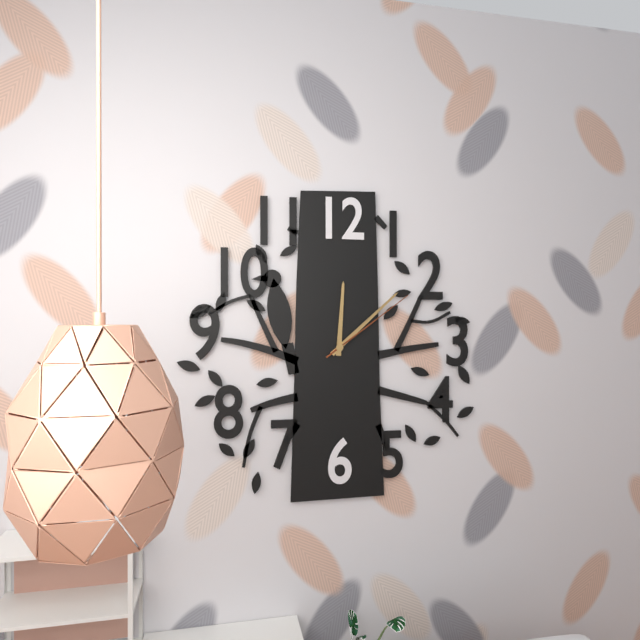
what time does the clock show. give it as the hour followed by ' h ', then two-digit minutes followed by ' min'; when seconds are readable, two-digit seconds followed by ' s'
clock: 12 h 08 min 09 s
